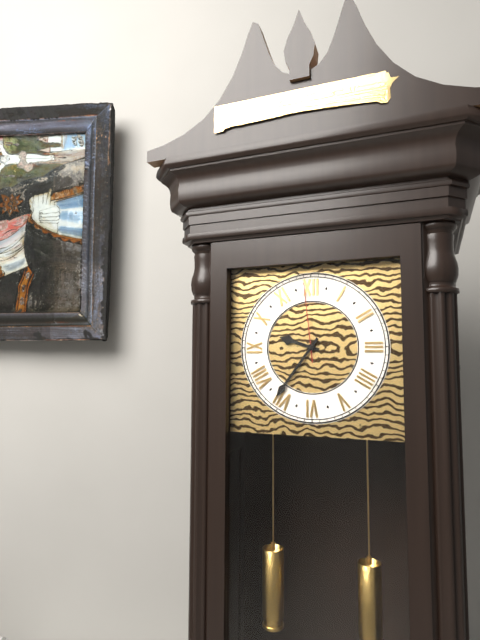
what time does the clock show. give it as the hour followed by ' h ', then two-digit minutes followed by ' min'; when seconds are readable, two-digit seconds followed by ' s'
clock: 9 h 36 min 59 s
